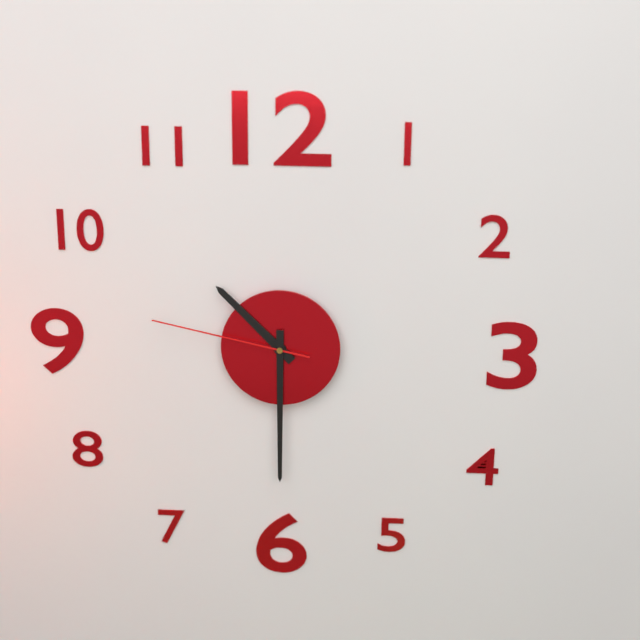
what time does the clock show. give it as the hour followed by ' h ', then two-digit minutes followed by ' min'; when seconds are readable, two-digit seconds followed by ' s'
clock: 10 h 30 min 47 s
